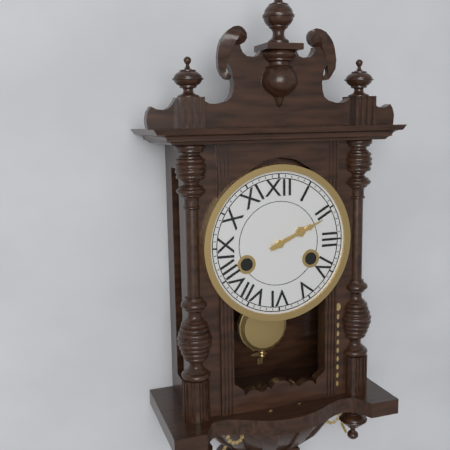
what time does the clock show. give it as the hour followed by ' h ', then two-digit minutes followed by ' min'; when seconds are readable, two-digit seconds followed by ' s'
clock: 2 h 11 min
